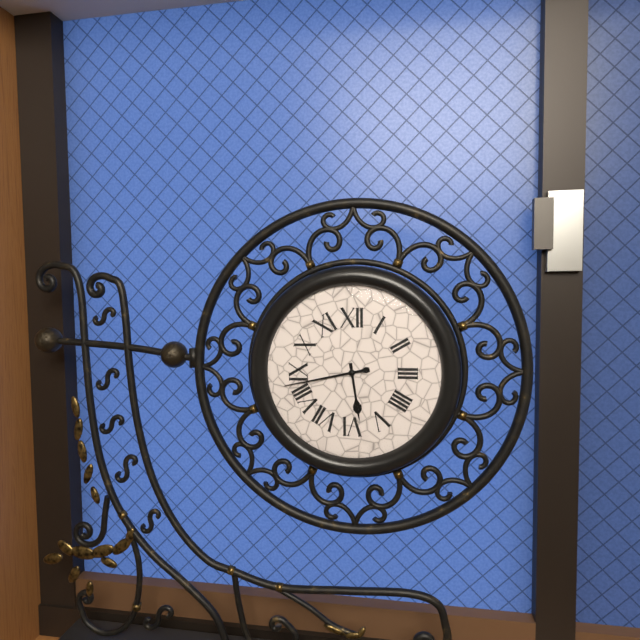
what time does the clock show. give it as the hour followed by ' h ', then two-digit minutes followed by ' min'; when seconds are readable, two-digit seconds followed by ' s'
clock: 5 h 43 min
